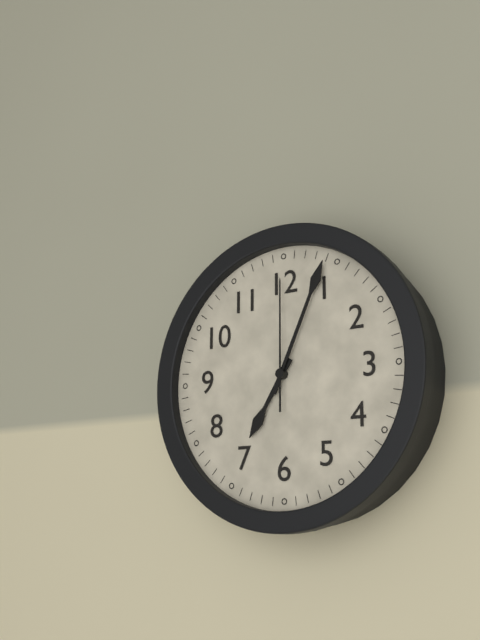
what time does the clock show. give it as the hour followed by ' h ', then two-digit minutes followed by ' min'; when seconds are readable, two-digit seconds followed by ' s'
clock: 7 h 04 min 00 s
